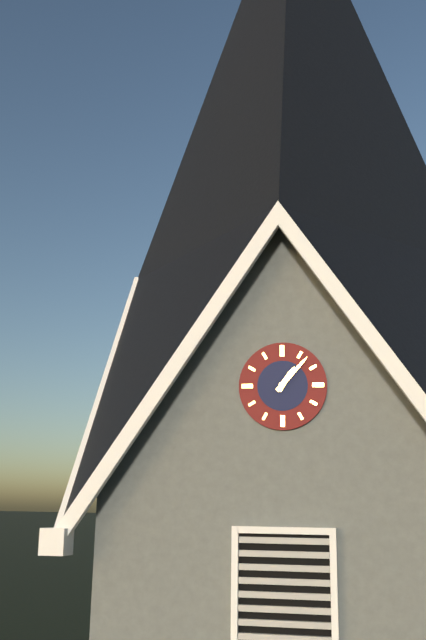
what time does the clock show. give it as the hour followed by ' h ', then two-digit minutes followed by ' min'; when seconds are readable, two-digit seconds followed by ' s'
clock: 1 h 07 min
